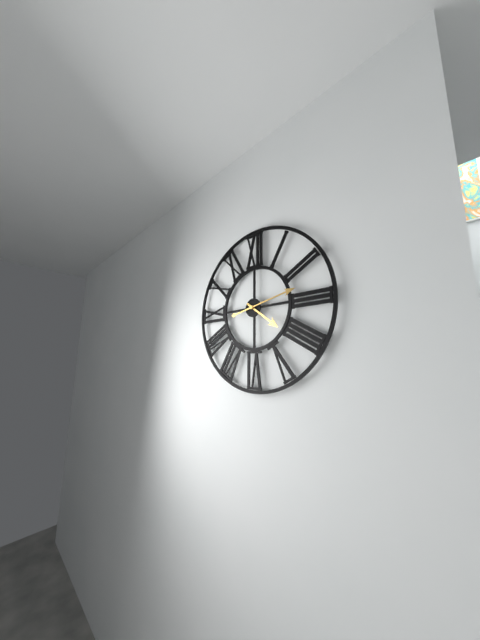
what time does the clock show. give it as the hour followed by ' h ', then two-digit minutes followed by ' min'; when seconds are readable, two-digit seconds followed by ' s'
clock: 4 h 13 min
